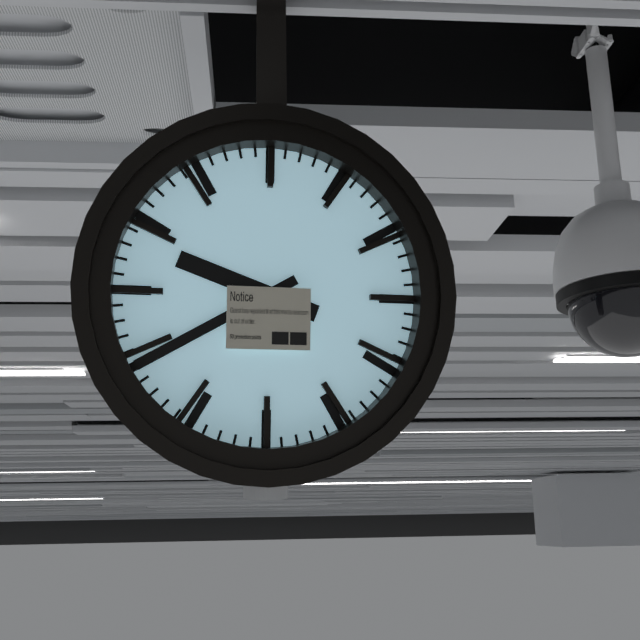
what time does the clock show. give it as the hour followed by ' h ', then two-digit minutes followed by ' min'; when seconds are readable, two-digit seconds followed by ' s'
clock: 9 h 40 min
